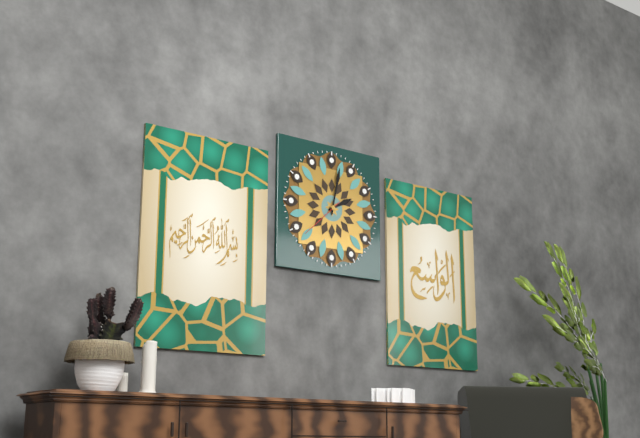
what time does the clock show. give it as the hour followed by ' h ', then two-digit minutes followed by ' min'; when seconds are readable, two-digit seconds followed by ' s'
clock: 2 h 02 min
